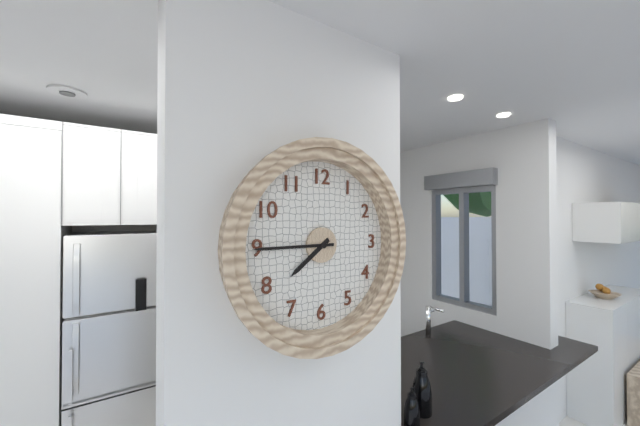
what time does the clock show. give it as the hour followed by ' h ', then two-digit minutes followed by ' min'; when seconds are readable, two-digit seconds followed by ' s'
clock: 7 h 45 min
